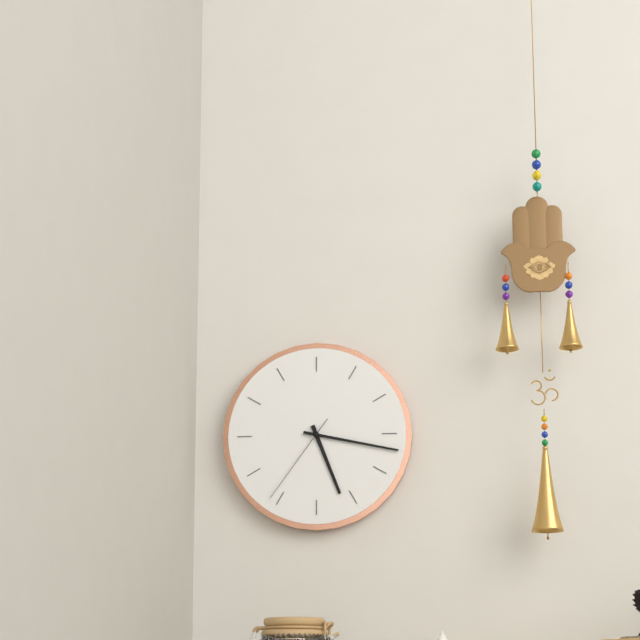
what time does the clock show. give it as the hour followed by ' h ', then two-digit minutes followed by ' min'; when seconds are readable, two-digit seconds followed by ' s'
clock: 5 h 17 min 36 s
